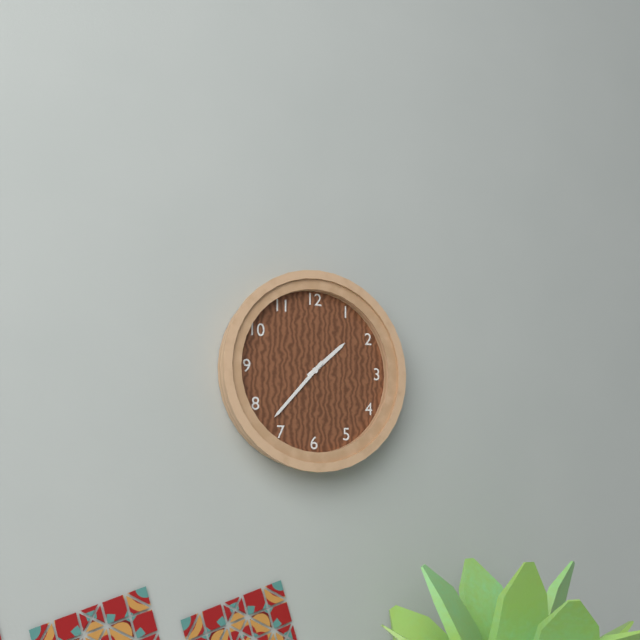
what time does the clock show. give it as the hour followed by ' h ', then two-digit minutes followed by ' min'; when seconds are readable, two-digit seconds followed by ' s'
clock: 1 h 37 min
